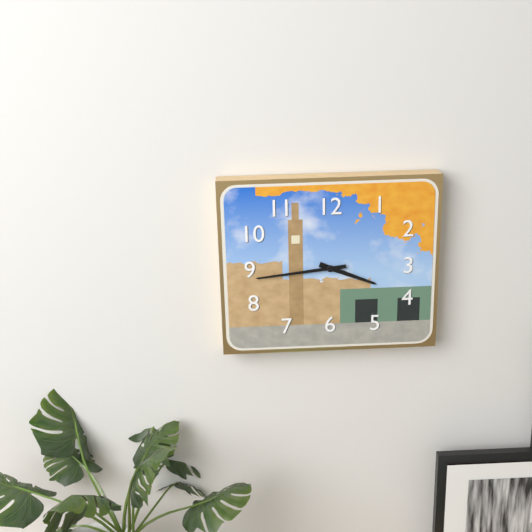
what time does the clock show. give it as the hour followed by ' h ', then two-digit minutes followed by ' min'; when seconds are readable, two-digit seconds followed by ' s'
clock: 3 h 44 min
